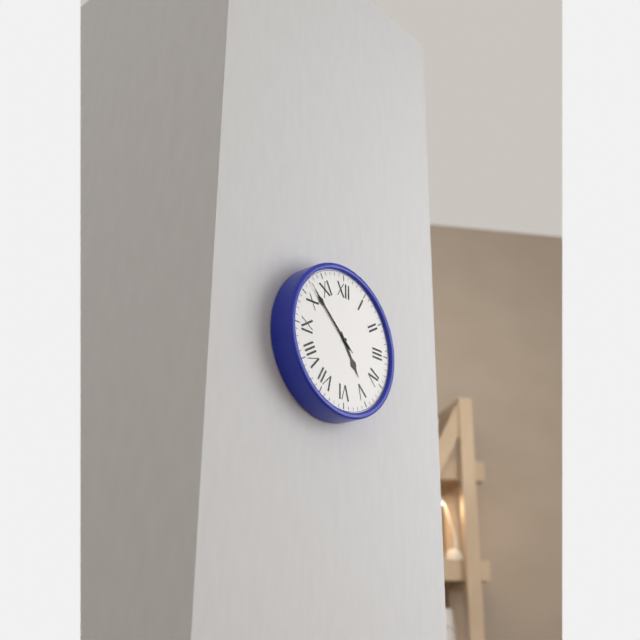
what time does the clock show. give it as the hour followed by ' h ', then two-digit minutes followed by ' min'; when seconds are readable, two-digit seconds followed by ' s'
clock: 4 h 52 min 52 s
